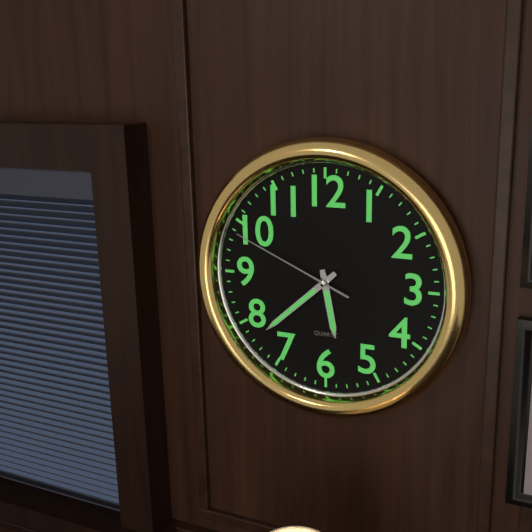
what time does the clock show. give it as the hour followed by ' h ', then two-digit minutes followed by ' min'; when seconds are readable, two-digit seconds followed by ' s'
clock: 5 h 38 min 49 s
